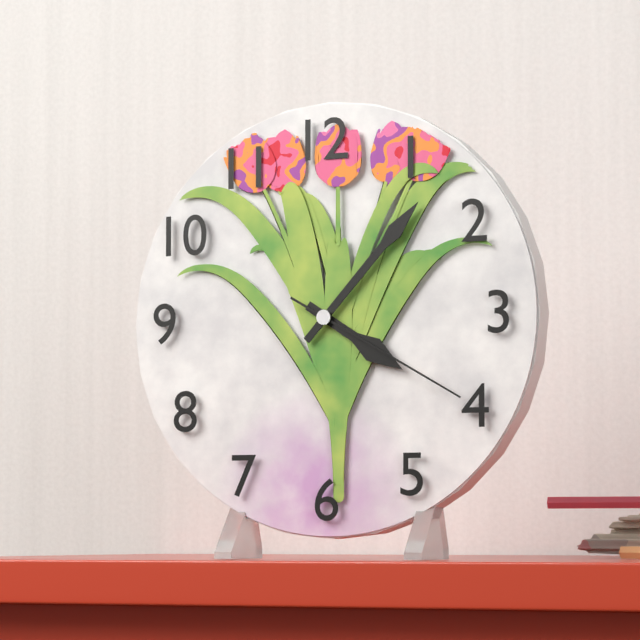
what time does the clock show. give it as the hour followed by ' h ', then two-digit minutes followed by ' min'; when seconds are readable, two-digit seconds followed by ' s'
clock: 4 h 07 min 20 s
